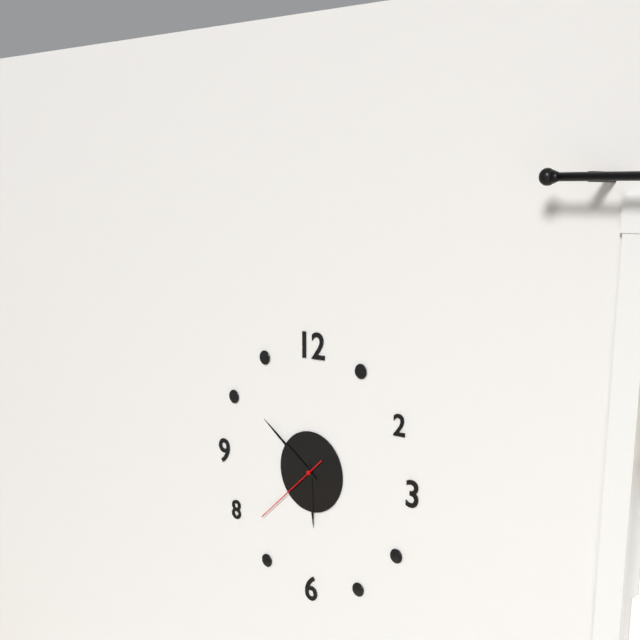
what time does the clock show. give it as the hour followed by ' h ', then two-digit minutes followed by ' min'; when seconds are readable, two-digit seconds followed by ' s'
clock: 5 h 51 min 38 s
